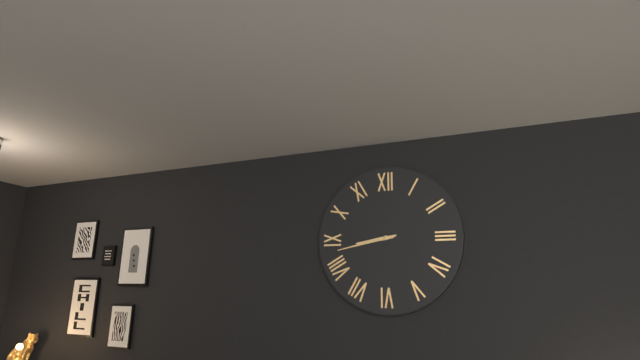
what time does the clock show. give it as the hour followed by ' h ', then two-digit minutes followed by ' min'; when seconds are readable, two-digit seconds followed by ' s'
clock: 8 h 43 min
